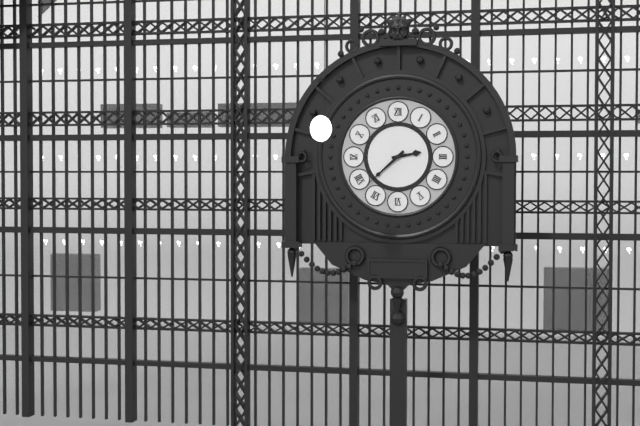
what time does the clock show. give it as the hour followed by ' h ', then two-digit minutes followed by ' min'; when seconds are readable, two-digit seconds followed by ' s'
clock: 2 h 38 min
